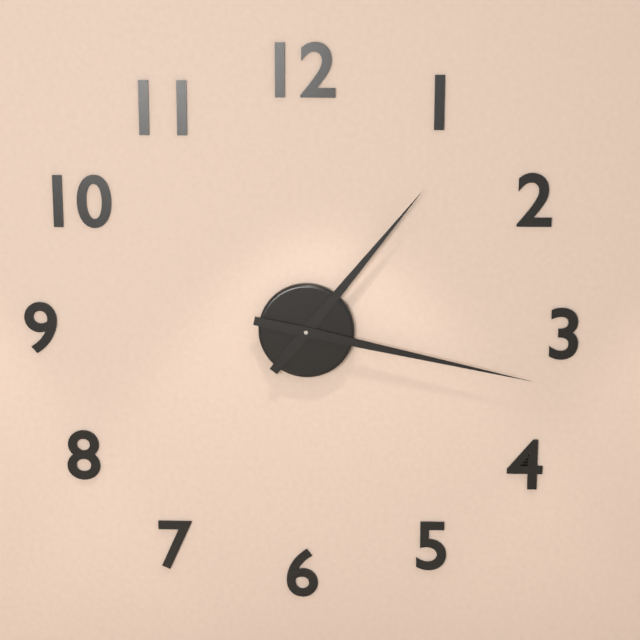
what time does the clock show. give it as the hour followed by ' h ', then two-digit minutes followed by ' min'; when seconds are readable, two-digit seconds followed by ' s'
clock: 1 h 17 min
